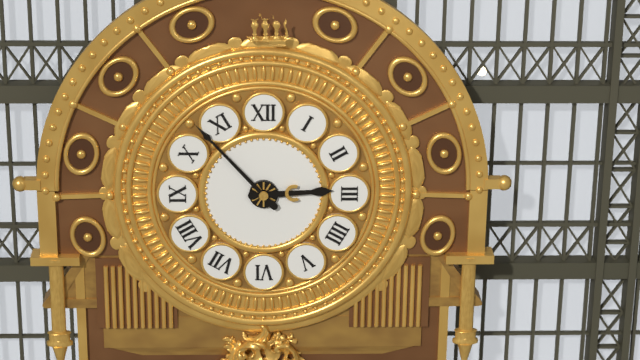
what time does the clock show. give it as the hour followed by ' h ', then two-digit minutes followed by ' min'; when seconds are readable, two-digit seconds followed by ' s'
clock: 2 h 53 min
